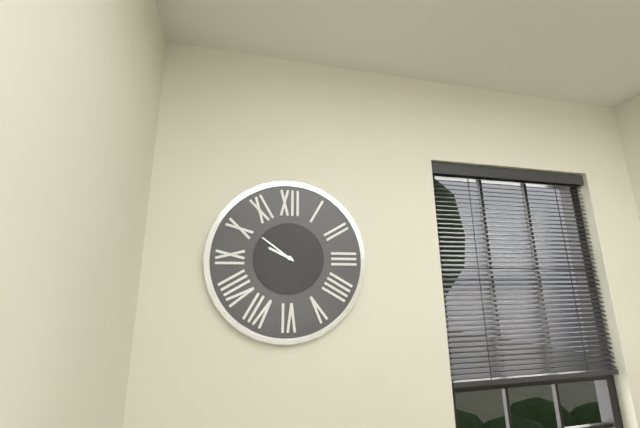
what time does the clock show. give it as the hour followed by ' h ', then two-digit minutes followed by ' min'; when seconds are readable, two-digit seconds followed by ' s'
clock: 9 h 51 min
